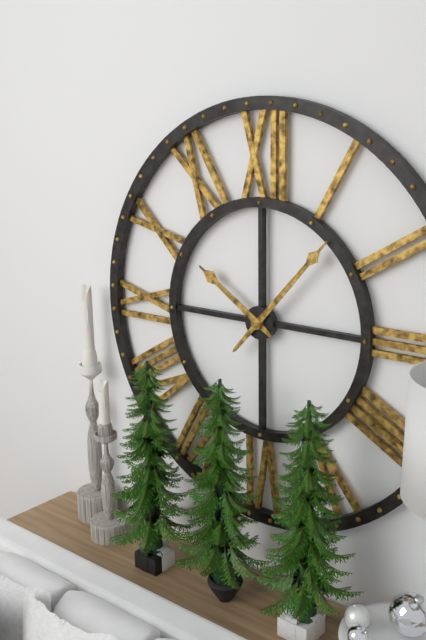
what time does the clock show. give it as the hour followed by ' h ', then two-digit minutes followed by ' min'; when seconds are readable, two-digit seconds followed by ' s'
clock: 10 h 07 min
